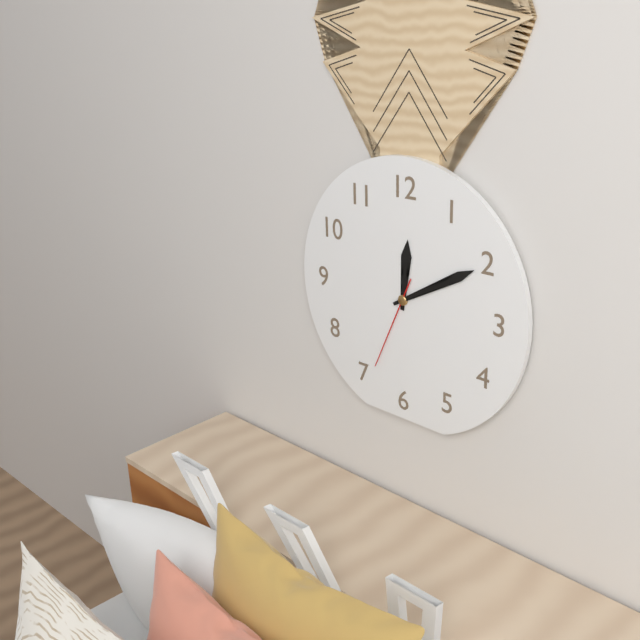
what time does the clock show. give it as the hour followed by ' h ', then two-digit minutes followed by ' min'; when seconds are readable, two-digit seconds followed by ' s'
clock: 12 h 10 min 34 s
